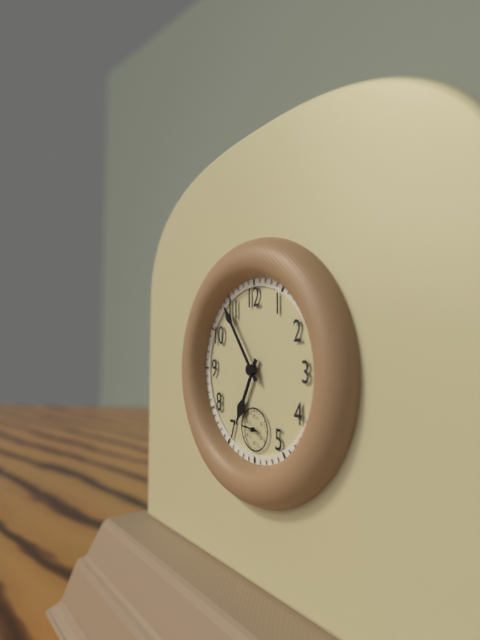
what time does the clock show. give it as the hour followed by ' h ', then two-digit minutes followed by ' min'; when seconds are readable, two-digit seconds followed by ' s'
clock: 6 h 54 min
